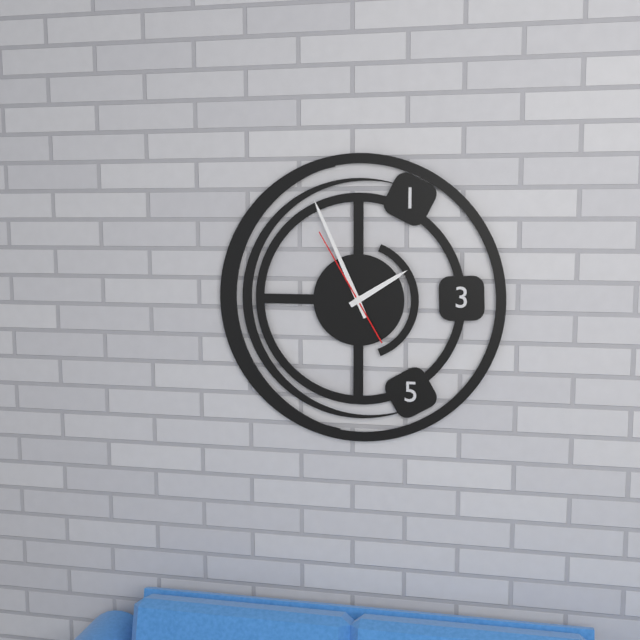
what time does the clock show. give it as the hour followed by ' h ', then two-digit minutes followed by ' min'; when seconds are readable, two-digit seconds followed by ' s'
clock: 1 h 56 min 55 s
